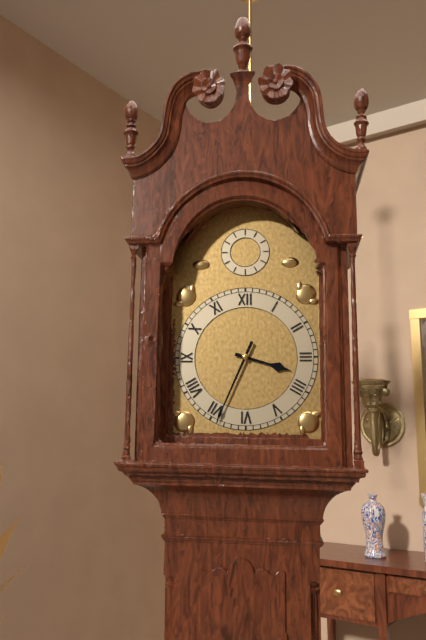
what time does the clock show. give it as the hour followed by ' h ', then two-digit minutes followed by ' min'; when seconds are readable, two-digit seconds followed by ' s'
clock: 3 h 34 min
